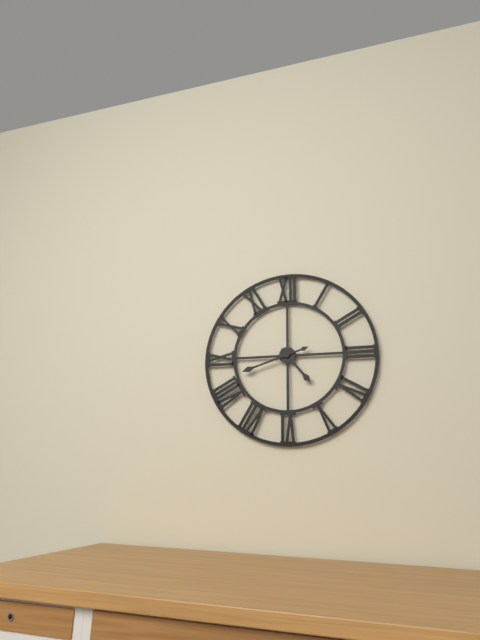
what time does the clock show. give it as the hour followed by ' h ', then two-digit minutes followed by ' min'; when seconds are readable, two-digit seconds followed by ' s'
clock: 4 h 42 min
